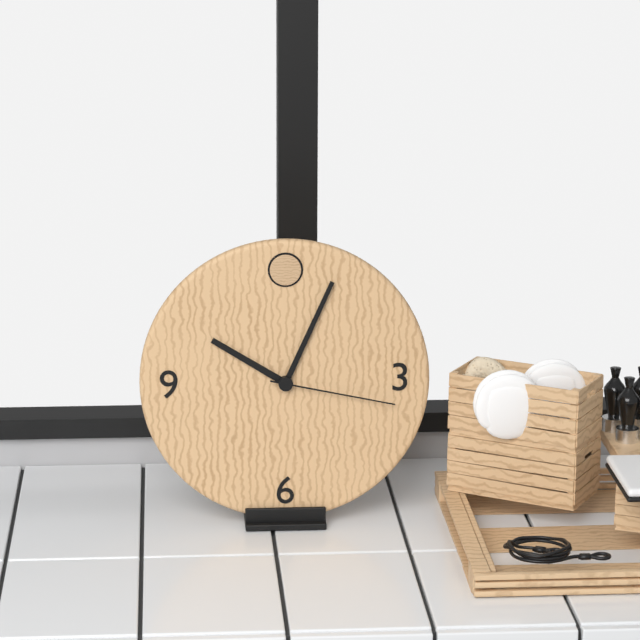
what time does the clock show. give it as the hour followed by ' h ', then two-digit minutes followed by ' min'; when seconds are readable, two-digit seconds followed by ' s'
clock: 10 h 04 min 17 s
